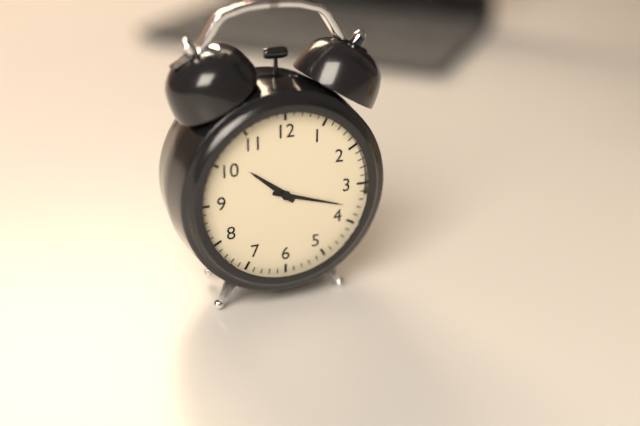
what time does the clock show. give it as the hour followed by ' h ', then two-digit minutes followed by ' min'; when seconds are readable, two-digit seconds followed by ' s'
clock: 10 h 18 min
